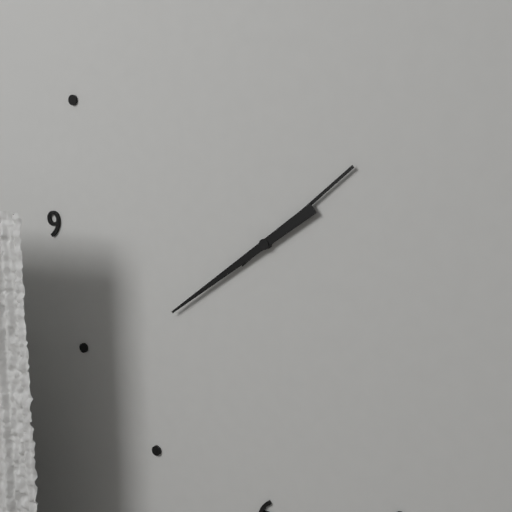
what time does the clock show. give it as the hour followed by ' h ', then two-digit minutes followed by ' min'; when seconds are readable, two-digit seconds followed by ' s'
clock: 1 h 39 min
